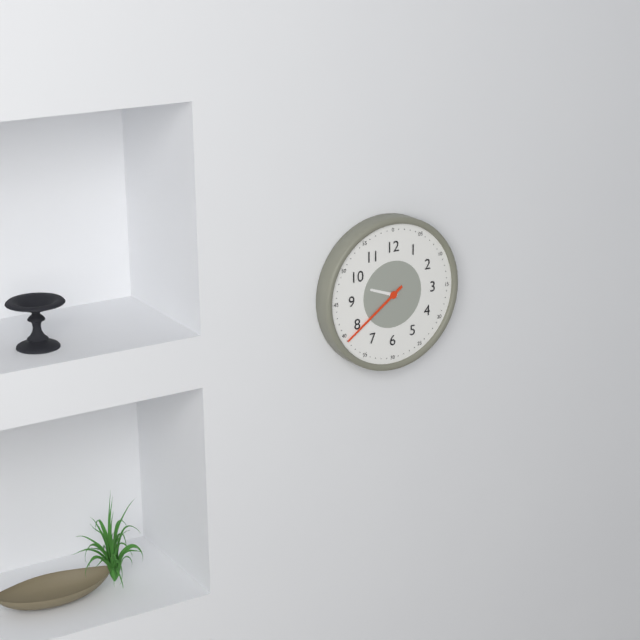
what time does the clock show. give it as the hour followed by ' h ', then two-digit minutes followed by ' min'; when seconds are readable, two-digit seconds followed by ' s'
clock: 9 h 39 min
